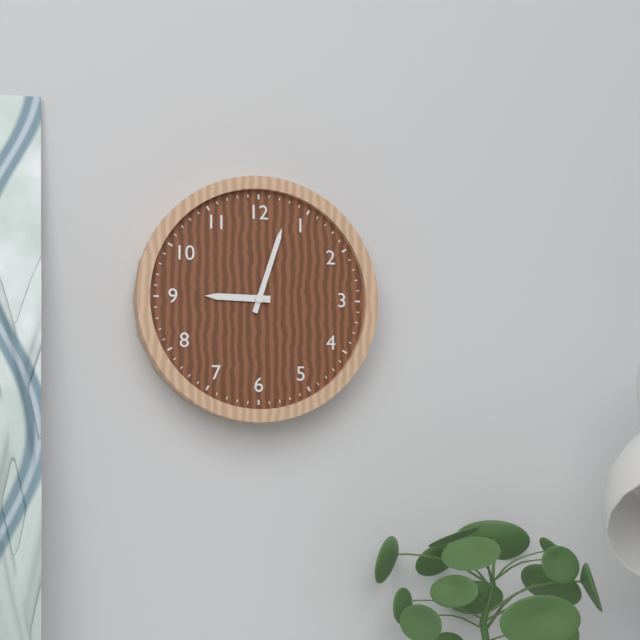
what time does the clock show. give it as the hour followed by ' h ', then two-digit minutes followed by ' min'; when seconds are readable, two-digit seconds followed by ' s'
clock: 9 h 03 min
